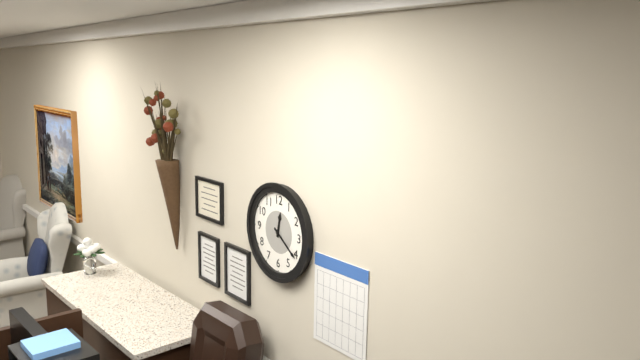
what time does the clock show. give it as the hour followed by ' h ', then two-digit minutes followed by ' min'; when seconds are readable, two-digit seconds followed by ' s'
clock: 12 h 21 min
